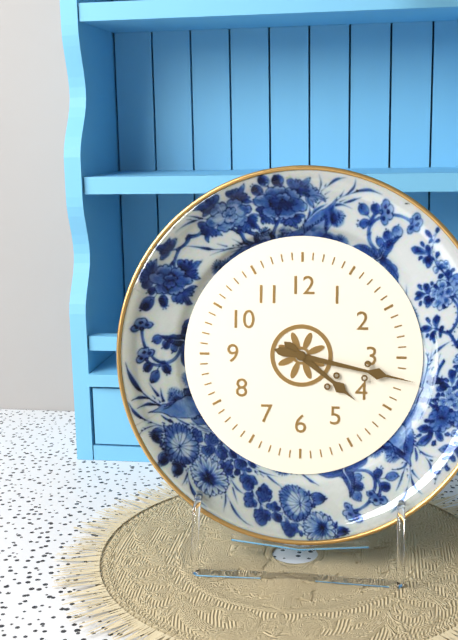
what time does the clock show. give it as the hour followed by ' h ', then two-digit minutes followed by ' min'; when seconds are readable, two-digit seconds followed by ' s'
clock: 4 h 17 min
